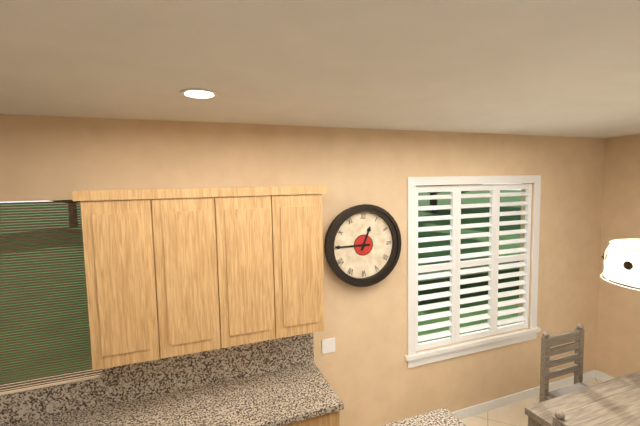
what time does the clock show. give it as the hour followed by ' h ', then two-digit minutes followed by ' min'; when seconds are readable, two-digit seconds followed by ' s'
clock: 12 h 45 min
